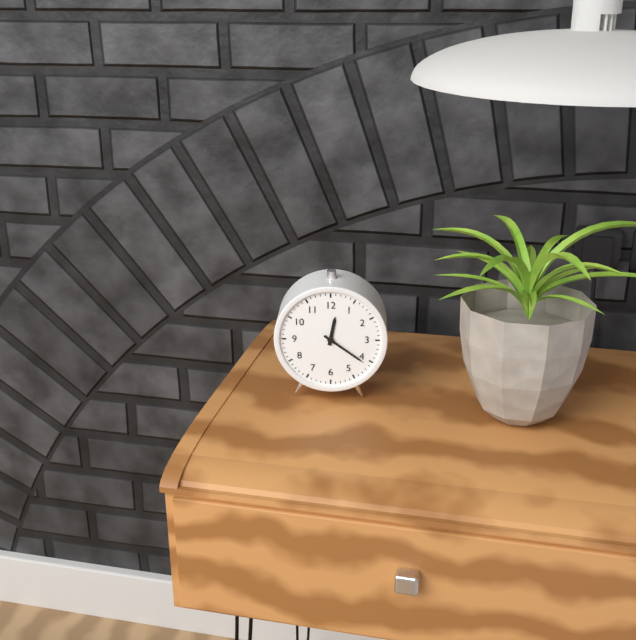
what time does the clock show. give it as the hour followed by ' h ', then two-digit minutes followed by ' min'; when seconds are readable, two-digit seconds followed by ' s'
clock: 12 h 21 min
